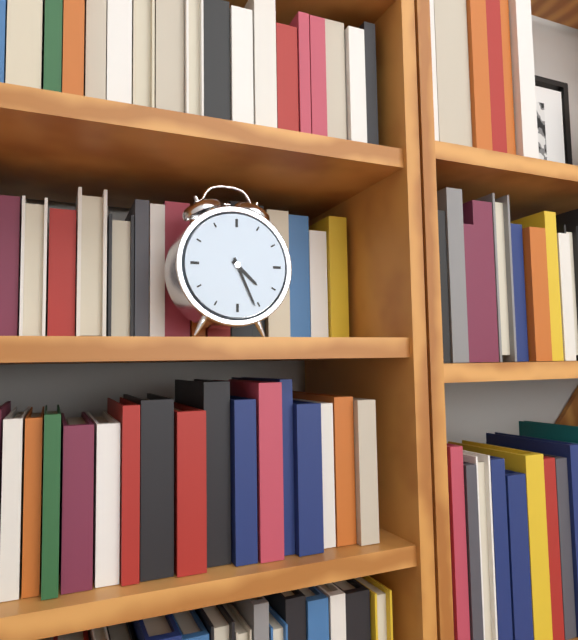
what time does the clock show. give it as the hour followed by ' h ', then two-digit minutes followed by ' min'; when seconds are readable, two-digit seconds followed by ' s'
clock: 4 h 26 min
